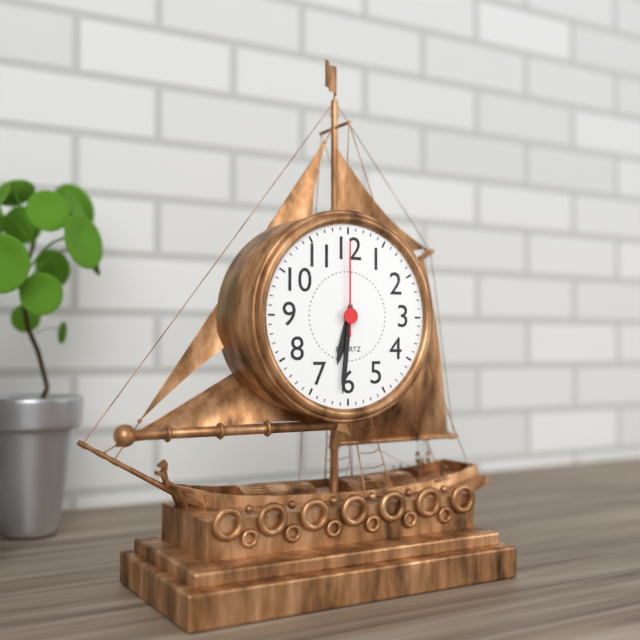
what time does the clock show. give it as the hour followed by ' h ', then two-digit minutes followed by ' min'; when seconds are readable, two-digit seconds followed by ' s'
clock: 6 h 31 min 00 s
